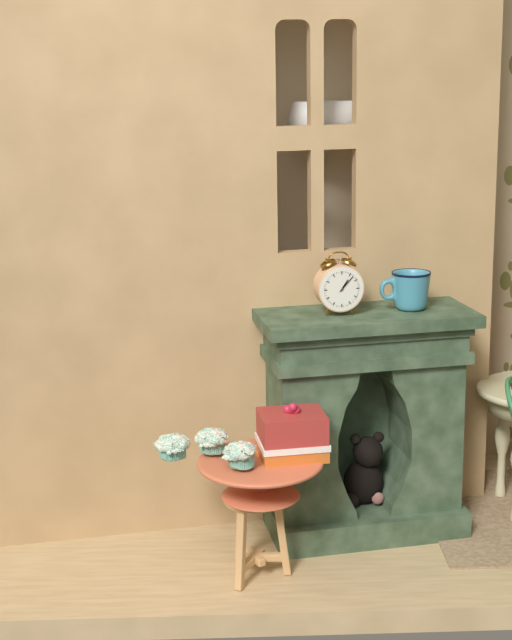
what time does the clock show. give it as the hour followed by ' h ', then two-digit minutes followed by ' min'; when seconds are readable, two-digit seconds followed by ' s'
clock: 1 h 07 min
